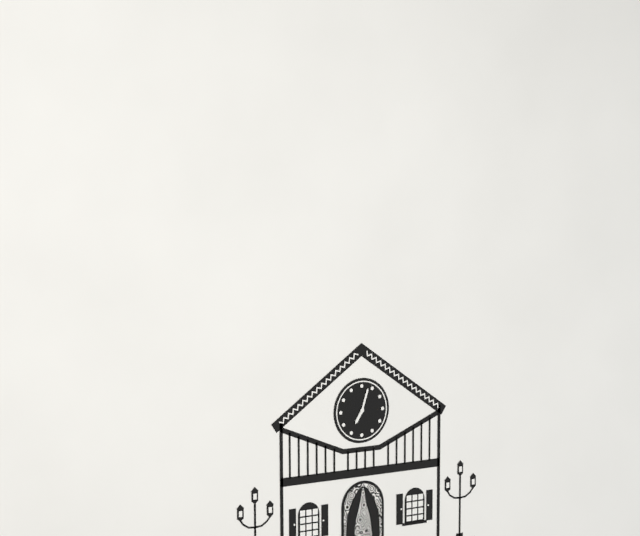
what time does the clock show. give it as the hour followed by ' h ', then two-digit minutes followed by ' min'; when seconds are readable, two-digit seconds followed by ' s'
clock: 7 h 03 min
